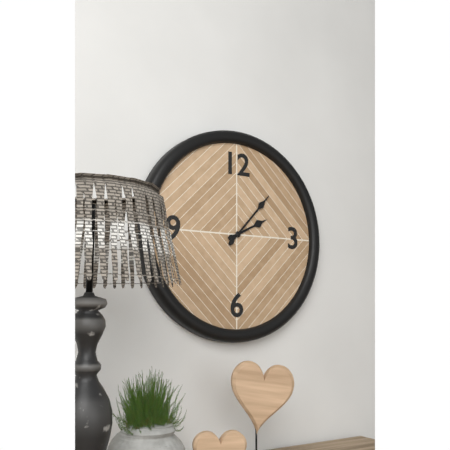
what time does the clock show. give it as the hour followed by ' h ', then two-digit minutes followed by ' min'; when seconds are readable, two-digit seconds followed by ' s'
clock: 2 h 07 min
